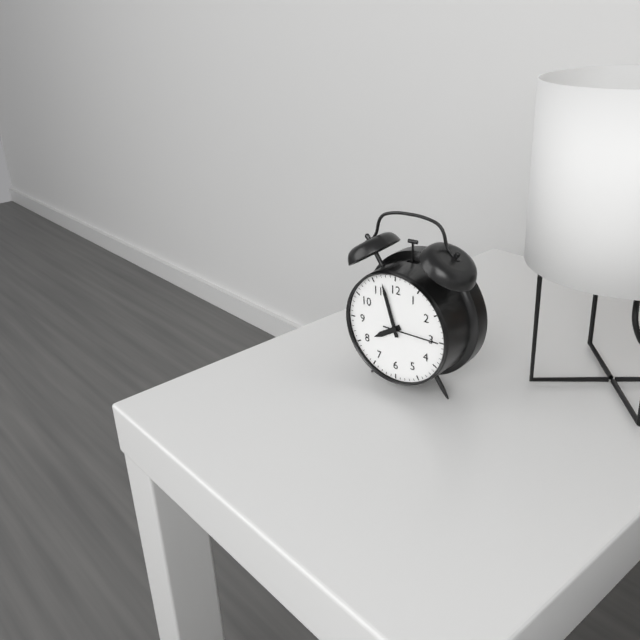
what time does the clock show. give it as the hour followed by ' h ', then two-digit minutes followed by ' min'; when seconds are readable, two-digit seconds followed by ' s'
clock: 7 h 57 min 15 s
